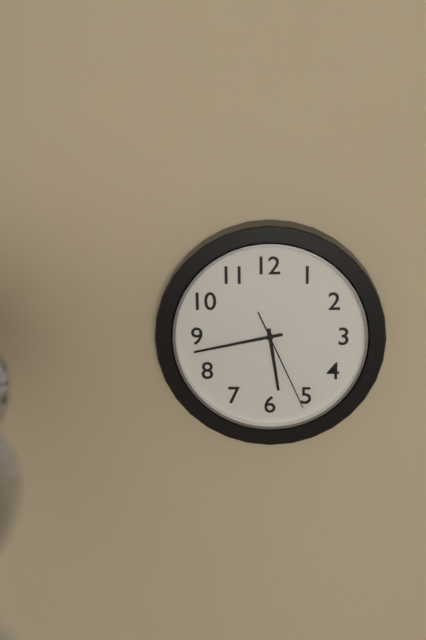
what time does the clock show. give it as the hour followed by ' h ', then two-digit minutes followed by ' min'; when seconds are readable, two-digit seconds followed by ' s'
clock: 5 h 43 min 26 s
